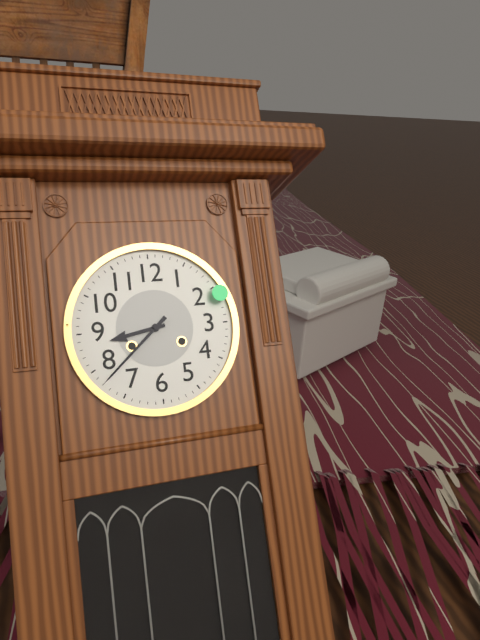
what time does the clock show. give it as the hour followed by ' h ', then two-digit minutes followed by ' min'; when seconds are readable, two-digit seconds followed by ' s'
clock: 8 h 38 min
